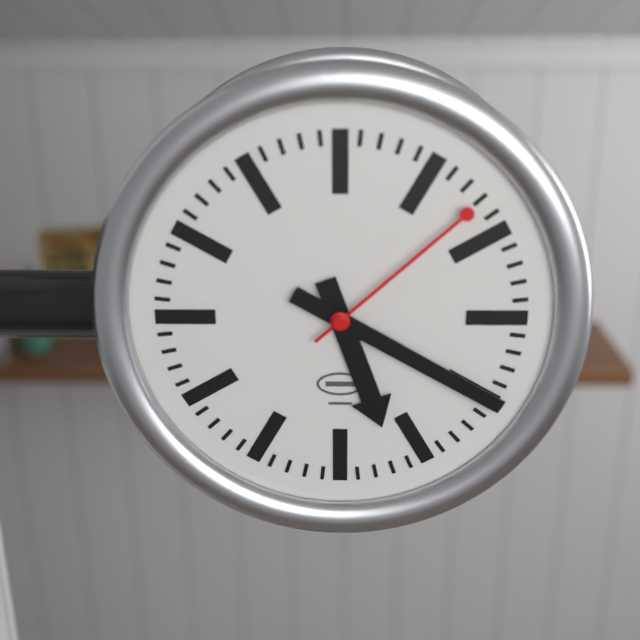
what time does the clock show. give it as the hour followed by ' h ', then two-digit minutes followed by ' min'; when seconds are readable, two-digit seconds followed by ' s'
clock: 5 h 20 min 08 s
